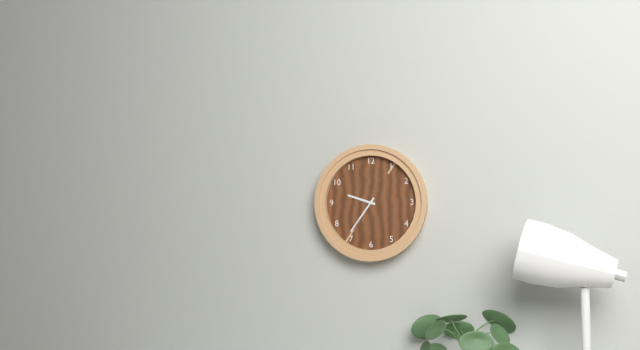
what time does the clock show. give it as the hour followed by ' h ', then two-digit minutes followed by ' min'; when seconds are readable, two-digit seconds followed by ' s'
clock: 9 h 36 min
